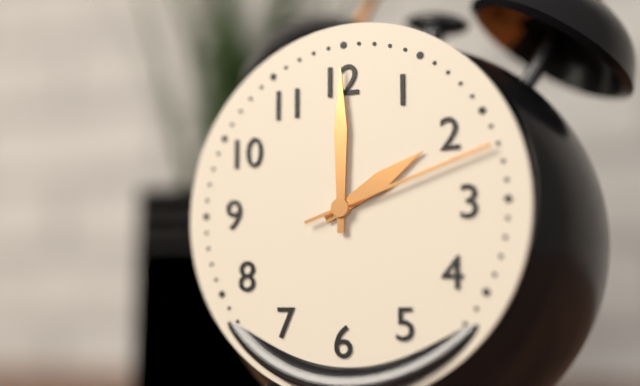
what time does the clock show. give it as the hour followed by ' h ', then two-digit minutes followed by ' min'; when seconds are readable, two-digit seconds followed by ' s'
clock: 2 h 00 min 12 s
